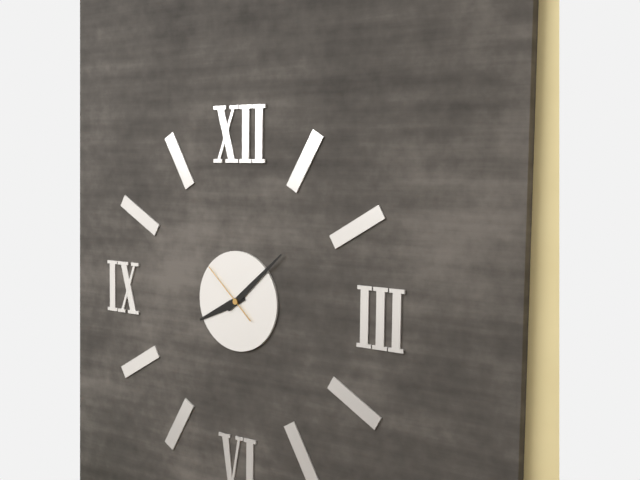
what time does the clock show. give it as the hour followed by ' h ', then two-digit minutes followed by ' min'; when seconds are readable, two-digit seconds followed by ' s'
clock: 8 h 08 min 52 s
